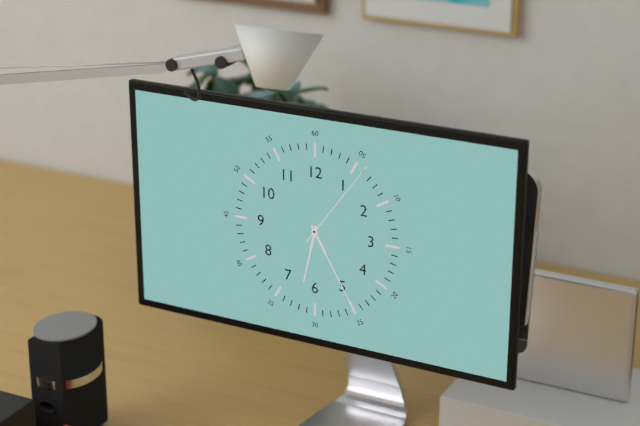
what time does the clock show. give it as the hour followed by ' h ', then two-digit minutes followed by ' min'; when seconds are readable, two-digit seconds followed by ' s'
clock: 6 h 25 min 06 s
